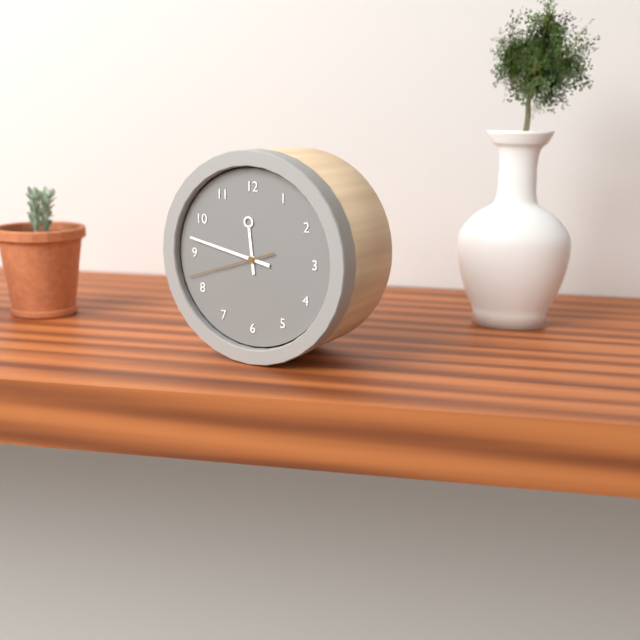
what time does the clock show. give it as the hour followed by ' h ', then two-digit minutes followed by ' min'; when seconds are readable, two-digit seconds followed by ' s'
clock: 11 h 47 min 42 s
